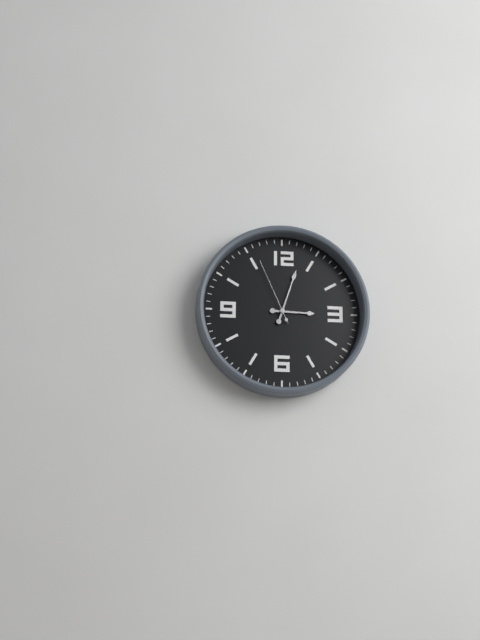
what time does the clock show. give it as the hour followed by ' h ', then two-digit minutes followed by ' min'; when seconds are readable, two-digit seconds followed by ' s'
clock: 3 h 03 min 56 s
